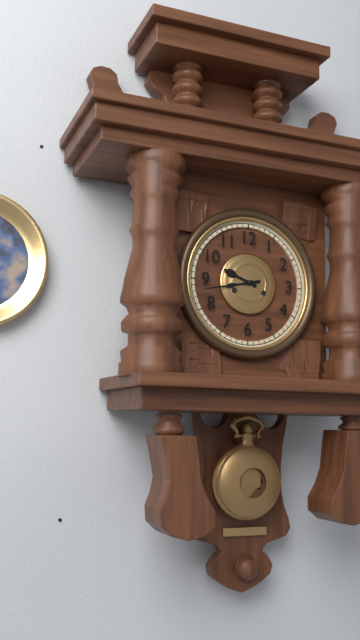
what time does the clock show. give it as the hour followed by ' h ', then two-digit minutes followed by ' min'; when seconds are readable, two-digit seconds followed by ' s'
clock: 9 h 43 min
